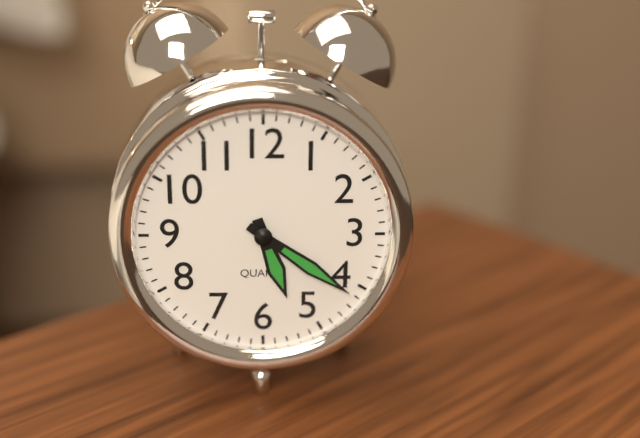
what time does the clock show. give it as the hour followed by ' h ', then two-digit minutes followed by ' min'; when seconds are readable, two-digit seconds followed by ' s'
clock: 5 h 21 min
